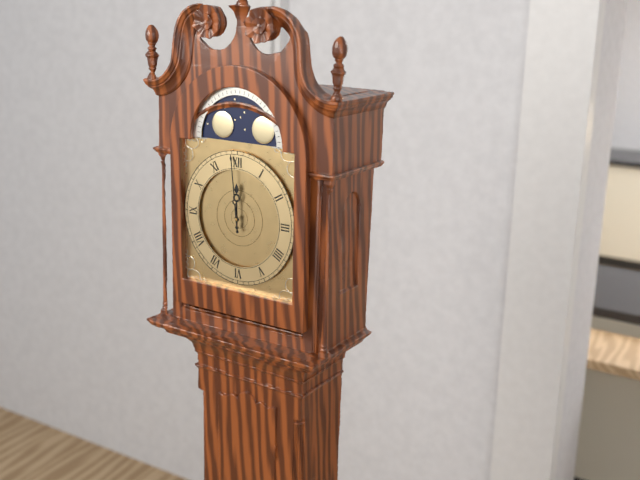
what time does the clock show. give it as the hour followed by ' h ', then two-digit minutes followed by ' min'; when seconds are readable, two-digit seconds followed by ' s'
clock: 11 h 59 min
